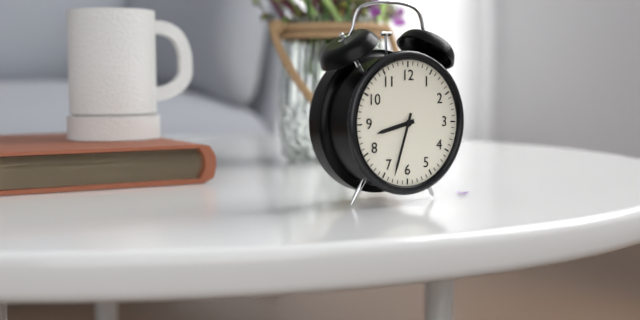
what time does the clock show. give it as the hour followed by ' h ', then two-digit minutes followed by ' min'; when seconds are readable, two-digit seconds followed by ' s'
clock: 8 h 33 min
